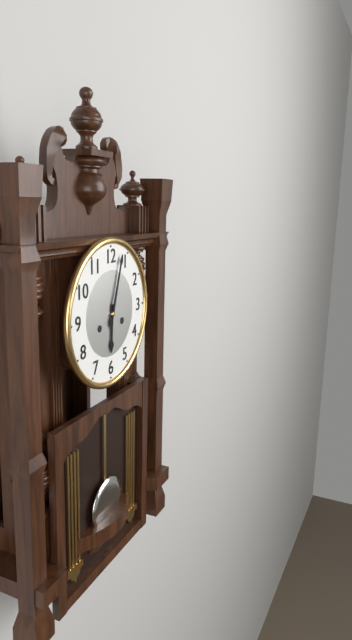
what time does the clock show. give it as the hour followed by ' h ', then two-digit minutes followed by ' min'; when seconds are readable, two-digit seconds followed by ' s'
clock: 6 h 03 min
